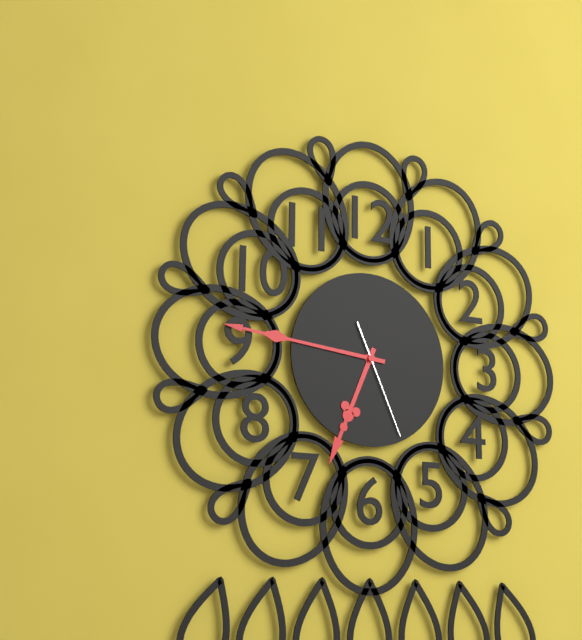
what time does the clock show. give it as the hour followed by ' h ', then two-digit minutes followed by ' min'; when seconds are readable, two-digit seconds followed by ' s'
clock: 6 h 46 min 26 s
